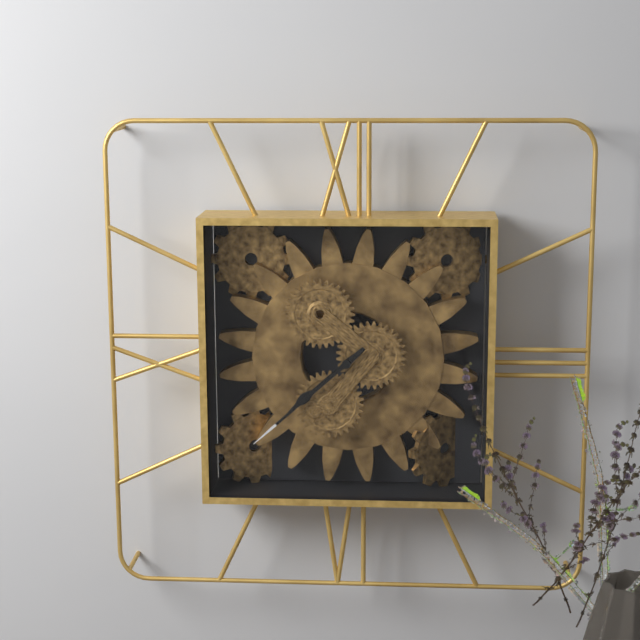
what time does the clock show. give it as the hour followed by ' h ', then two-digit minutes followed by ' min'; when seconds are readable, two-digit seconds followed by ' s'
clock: 7 h 38 min
